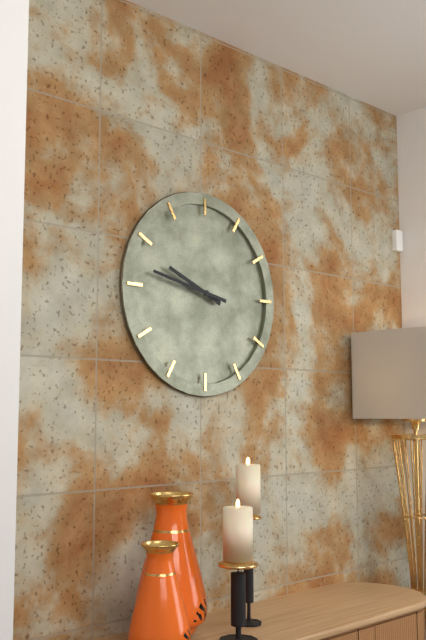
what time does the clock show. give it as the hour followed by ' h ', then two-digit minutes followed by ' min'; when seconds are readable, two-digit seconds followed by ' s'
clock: 9 h 47 min
